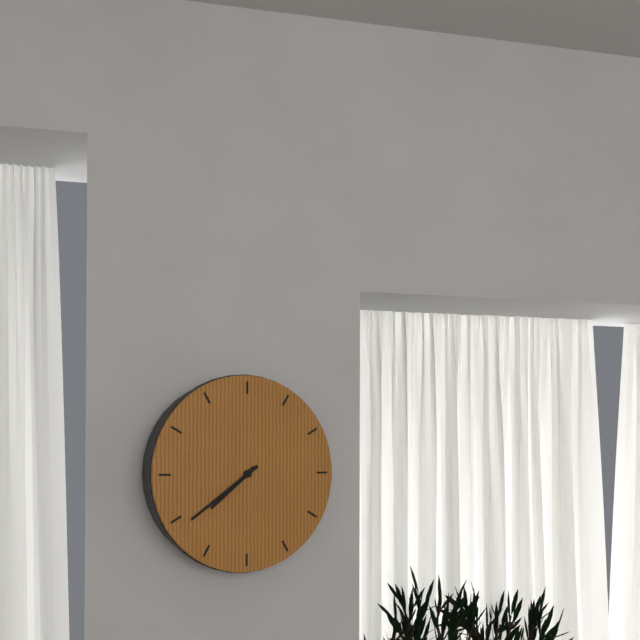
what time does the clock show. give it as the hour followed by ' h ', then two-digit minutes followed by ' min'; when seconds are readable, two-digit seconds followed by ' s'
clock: 7 h 39 min
